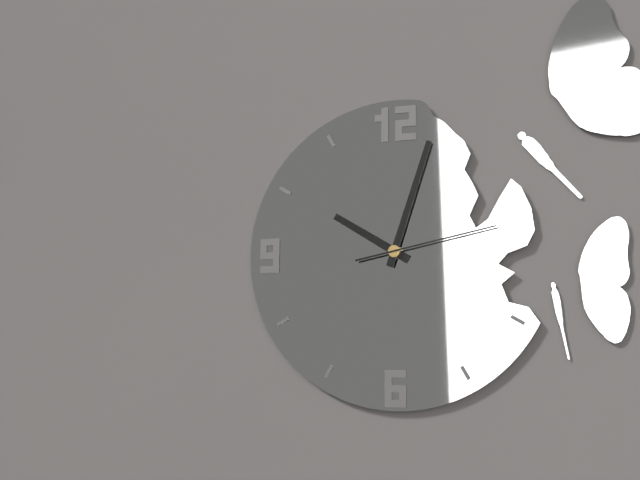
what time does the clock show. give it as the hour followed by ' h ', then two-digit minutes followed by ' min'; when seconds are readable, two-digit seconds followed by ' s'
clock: 10 h 03 min 13 s
